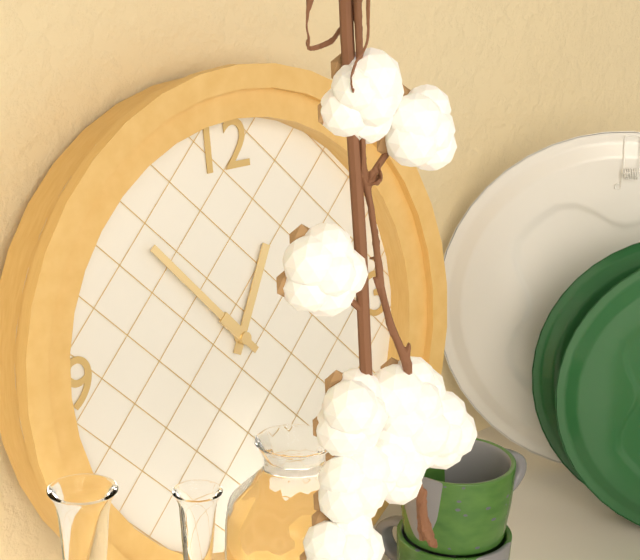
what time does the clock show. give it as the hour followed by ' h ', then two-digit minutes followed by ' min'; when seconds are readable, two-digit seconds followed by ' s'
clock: 12 h 53 min
